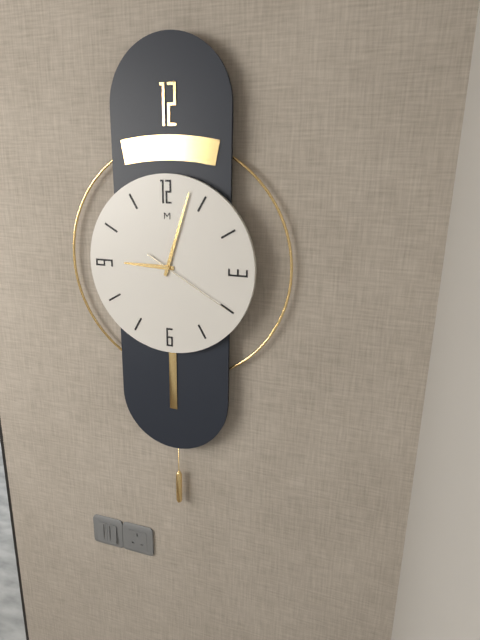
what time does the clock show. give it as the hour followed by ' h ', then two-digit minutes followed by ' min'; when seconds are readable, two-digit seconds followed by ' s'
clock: 9 h 03 min 20 s
